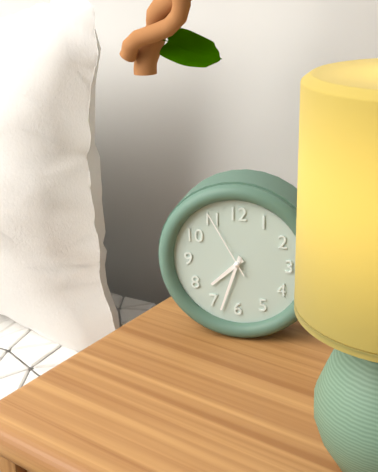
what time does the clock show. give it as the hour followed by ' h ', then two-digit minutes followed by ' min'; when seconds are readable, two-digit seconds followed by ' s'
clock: 7 h 33 min 55 s
